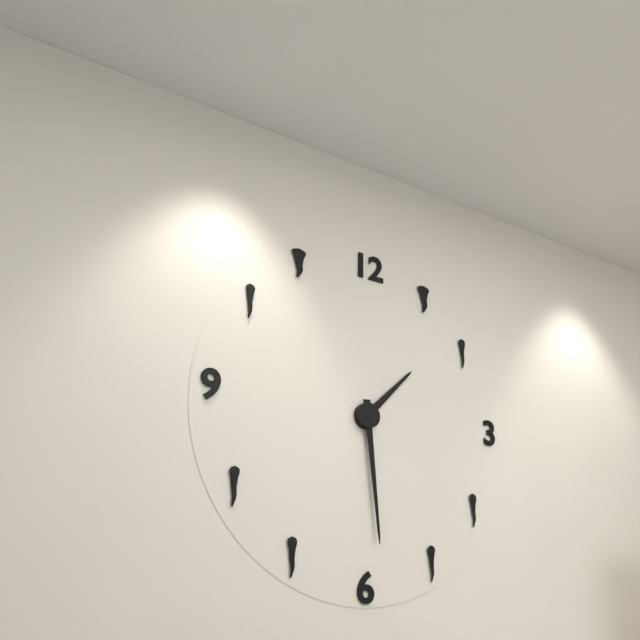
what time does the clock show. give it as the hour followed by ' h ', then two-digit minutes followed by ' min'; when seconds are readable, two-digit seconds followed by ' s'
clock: 1 h 29 min
